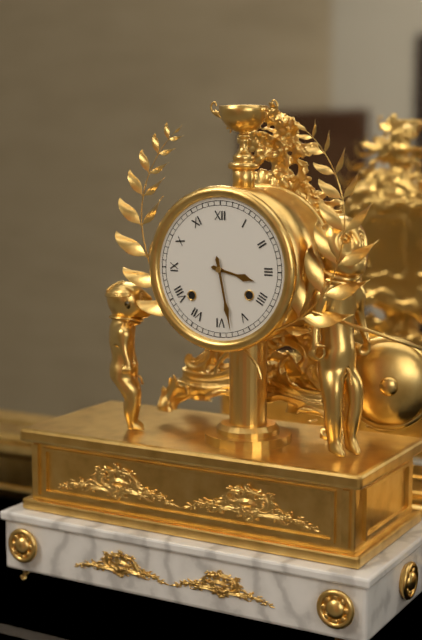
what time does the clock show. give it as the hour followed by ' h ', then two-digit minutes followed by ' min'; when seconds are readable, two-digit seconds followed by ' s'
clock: 3 h 28 min
